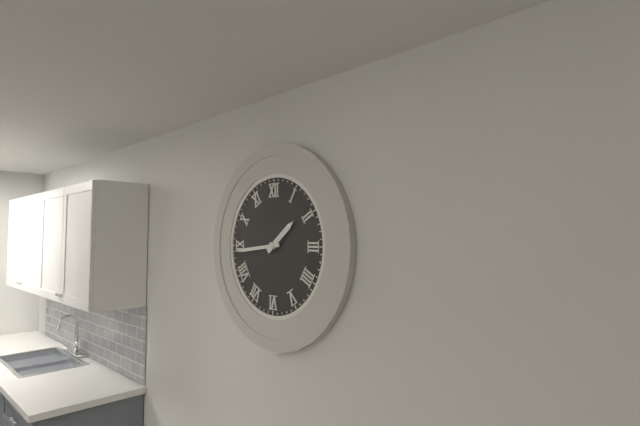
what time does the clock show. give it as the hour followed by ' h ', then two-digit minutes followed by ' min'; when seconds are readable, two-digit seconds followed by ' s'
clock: 1 h 44 min
